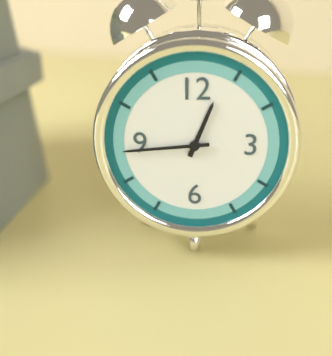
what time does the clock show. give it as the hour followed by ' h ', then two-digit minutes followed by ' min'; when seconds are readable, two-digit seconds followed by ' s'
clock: 12 h 44 min
